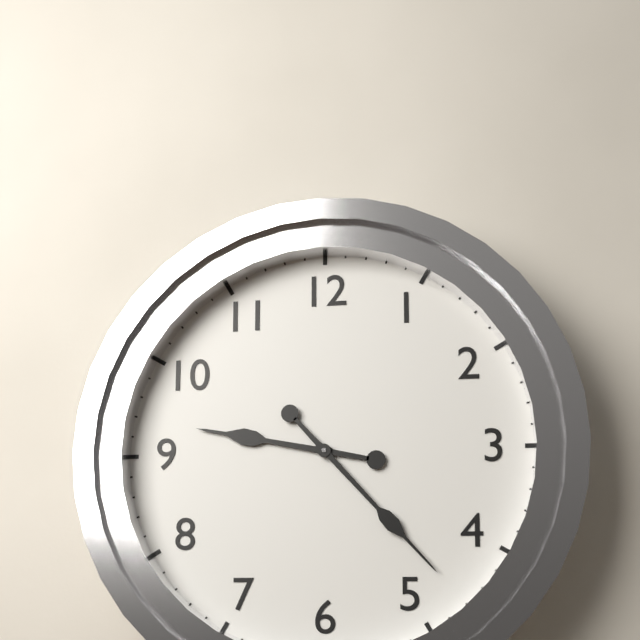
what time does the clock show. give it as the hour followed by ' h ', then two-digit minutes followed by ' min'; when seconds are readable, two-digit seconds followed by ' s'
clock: 9 h 23 min
